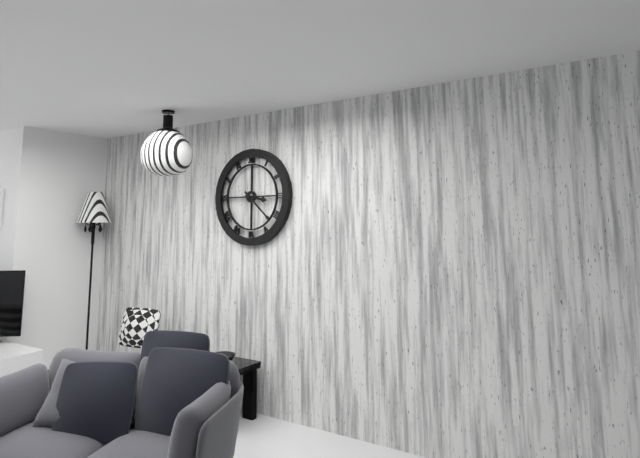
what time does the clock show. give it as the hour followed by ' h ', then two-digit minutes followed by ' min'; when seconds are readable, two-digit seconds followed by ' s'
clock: 3 h 22 min
